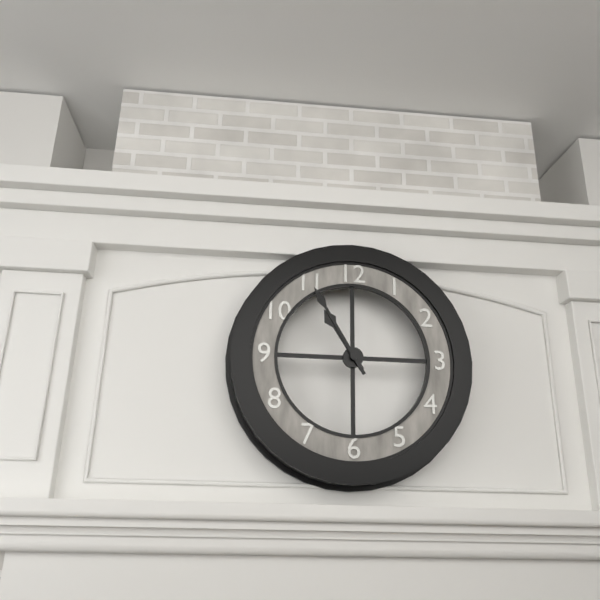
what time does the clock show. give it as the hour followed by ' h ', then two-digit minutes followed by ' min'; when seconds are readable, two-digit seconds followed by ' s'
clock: 10 h 55 min
